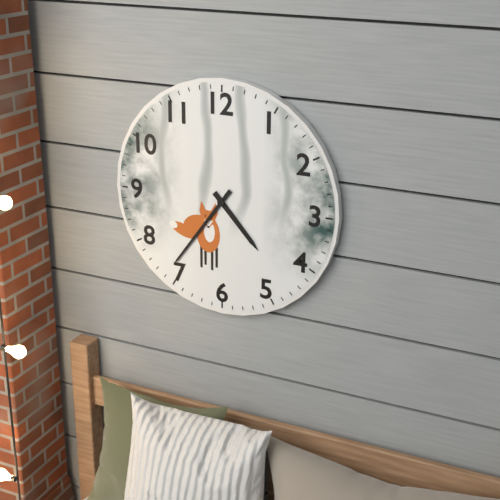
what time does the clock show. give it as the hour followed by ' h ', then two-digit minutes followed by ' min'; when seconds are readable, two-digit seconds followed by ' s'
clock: 4 h 36 min
